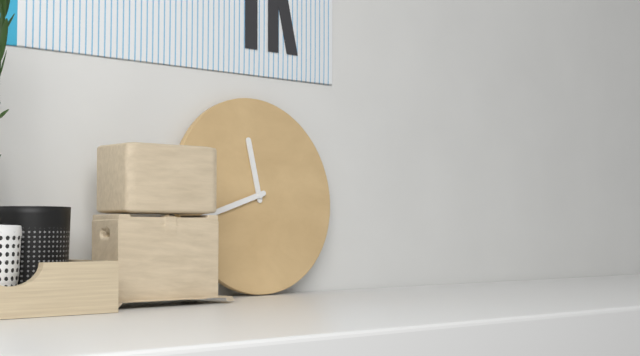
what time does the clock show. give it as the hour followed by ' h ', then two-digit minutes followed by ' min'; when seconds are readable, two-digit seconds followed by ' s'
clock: 11 h 42 min
